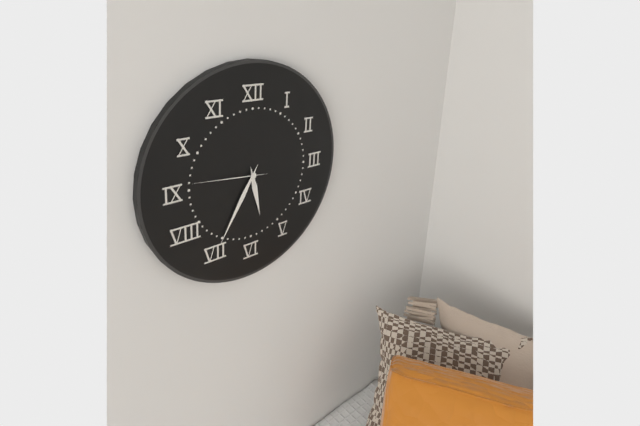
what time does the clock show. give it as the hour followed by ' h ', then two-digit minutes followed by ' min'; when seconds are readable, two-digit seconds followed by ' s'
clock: 5 h 35 min 46 s
